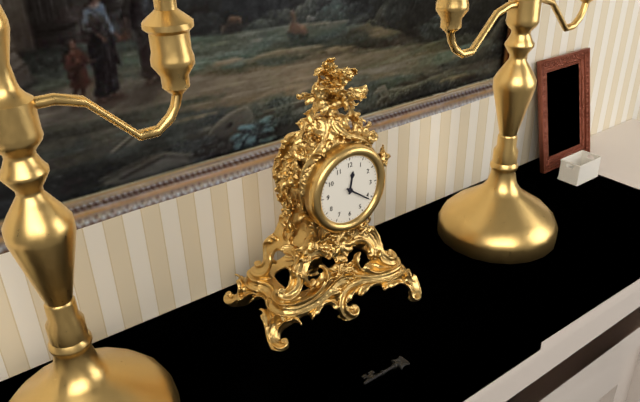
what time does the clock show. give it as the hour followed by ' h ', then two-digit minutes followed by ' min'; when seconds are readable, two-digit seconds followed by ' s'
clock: 12 h 21 min
